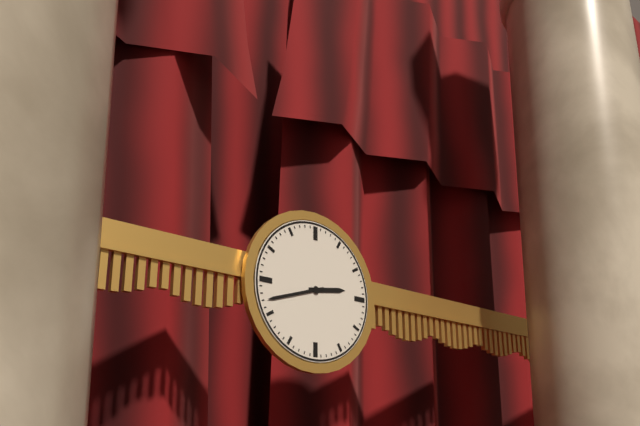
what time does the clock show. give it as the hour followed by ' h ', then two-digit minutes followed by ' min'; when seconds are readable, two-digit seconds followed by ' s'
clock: 2 h 42 min
